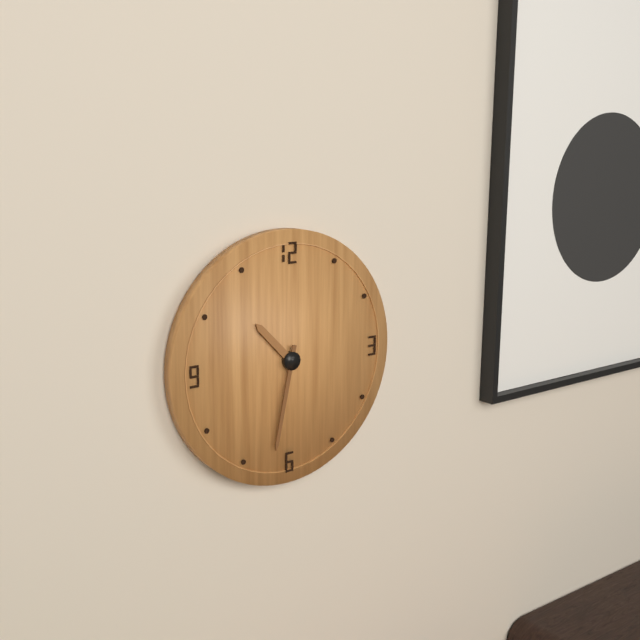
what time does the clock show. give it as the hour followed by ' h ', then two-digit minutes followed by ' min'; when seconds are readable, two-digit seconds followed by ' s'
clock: 10 h 32 min
